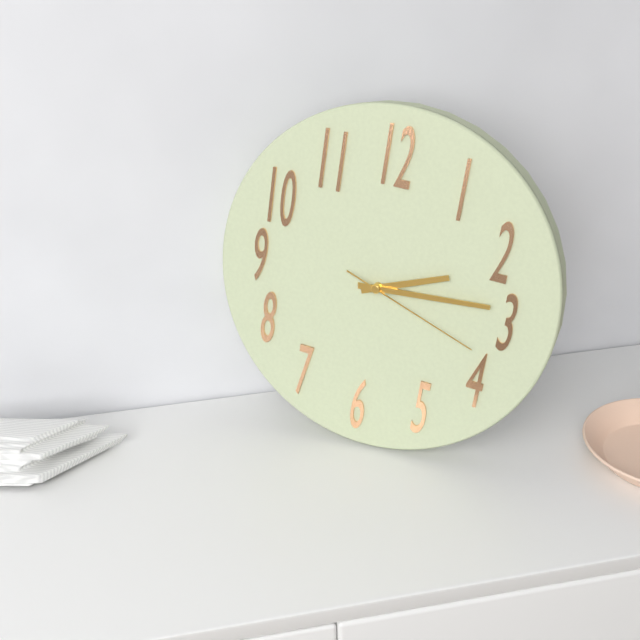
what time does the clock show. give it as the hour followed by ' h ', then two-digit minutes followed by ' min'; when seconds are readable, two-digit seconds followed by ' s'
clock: 2 h 14 min 18 s
